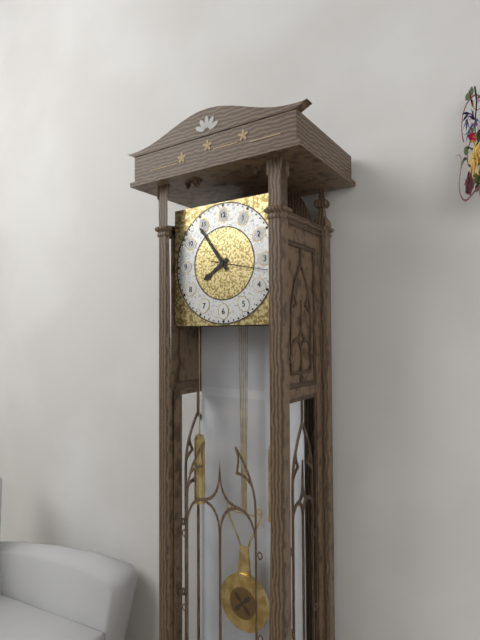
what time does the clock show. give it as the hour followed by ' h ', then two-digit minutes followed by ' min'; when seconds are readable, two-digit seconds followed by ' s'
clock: 7 h 54 min 17 s
